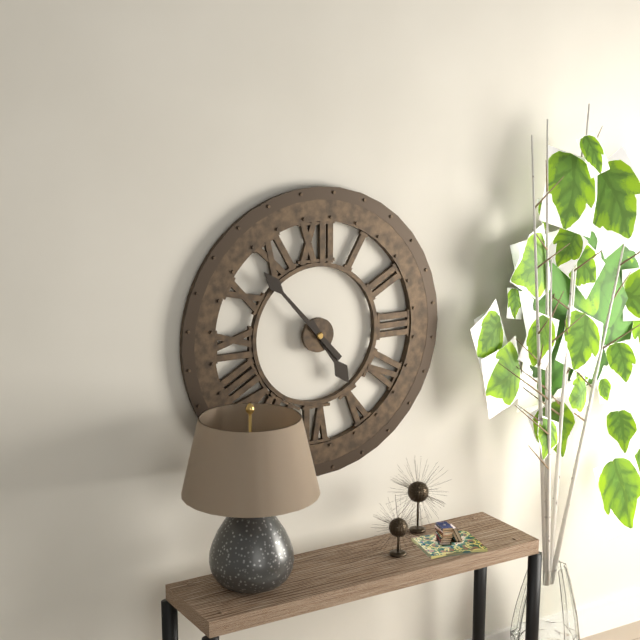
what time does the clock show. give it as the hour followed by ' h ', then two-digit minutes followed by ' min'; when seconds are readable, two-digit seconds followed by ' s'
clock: 4 h 53 min
